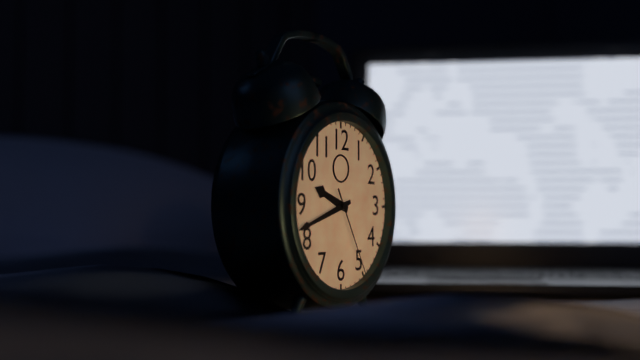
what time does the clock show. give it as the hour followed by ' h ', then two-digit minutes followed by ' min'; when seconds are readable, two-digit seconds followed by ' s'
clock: 9 h 42 min 25 s
